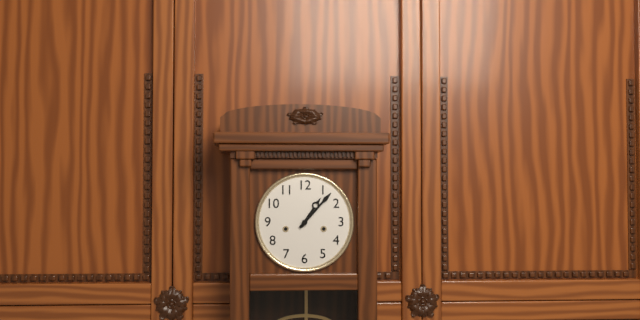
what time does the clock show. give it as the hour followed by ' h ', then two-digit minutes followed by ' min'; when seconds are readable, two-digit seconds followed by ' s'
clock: 1 h 07 min
